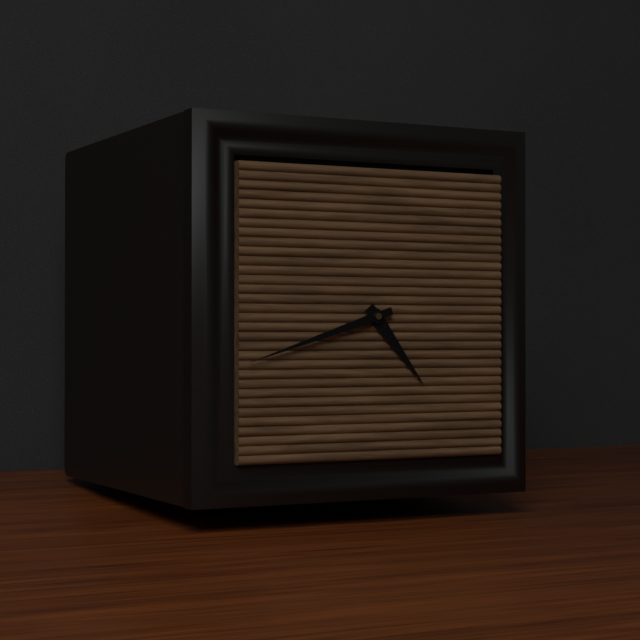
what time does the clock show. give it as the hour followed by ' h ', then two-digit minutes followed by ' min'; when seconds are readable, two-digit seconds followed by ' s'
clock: 4 h 42 min
